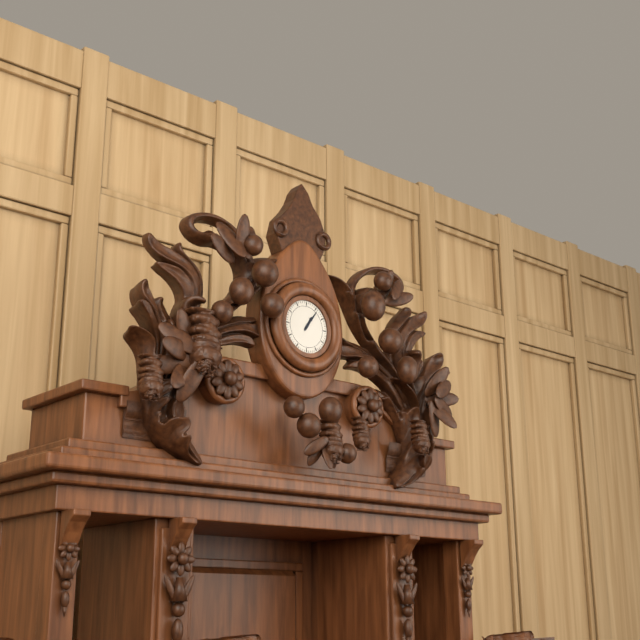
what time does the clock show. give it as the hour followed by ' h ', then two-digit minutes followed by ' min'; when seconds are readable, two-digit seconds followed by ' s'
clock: 1 h 06 min
